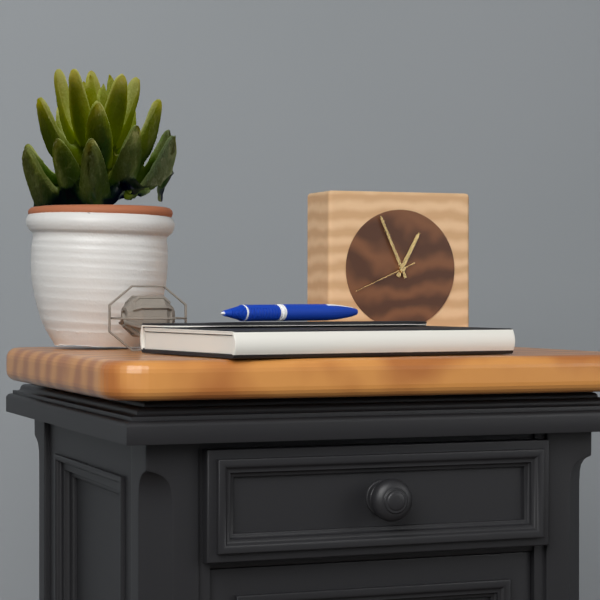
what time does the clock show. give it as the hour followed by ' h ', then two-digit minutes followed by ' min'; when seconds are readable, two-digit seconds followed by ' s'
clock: 12 h 56 min
